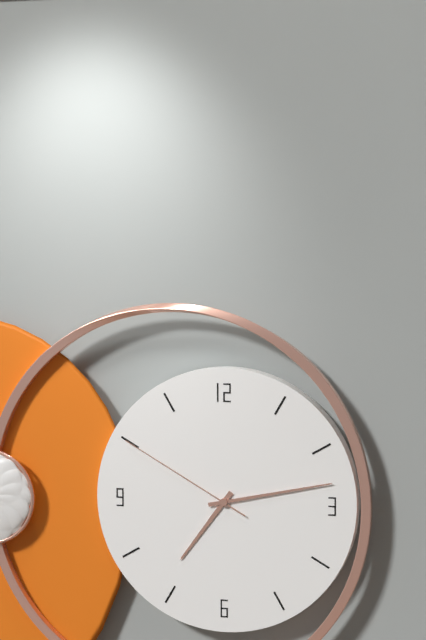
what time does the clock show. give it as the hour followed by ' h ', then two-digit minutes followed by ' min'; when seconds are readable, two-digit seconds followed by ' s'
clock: 7 h 13 min 50 s
